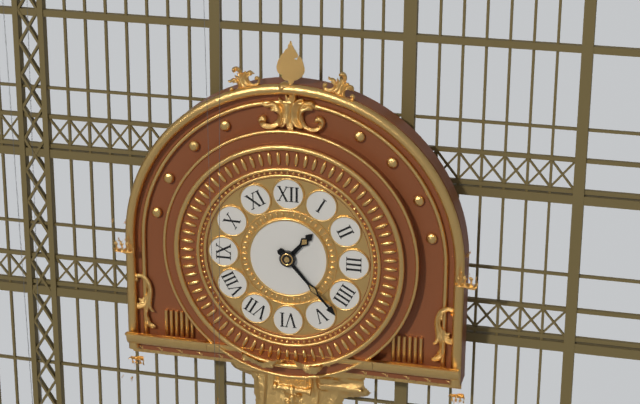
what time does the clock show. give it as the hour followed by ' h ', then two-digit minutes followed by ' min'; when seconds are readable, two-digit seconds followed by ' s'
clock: 1 h 23 min
